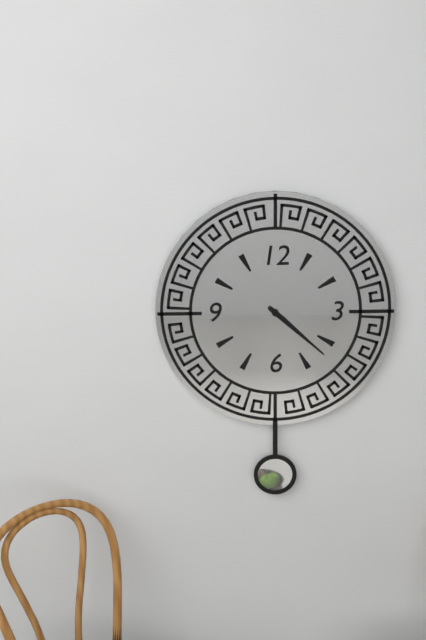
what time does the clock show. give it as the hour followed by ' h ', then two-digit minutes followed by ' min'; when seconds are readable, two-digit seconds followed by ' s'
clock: 4 h 22 min
